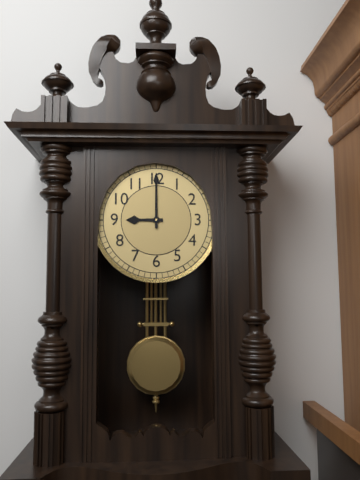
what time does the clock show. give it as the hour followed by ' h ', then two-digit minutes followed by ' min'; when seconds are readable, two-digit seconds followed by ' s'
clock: 9 h 00 min
